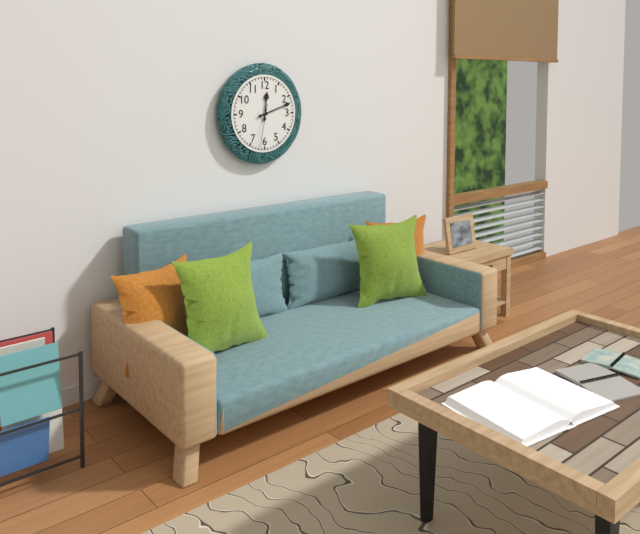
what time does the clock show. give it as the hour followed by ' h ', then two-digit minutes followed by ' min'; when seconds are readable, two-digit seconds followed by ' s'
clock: 12 h 12 min
